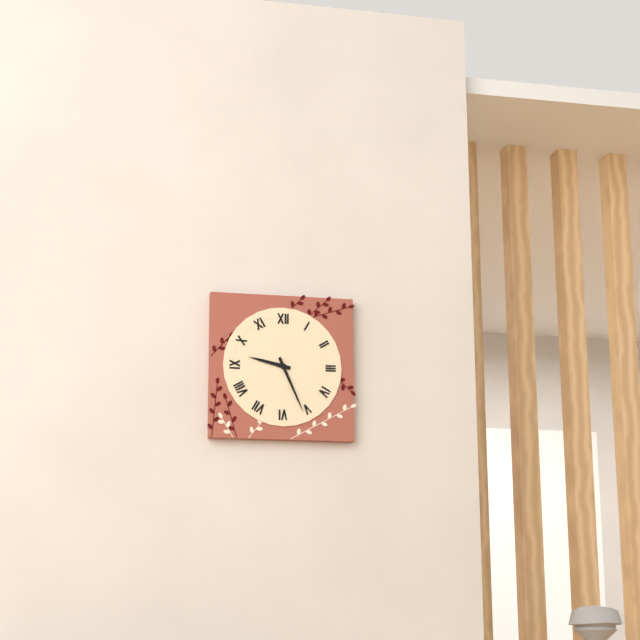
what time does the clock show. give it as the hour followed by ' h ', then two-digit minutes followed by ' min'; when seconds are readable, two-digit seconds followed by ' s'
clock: 9 h 26 min
